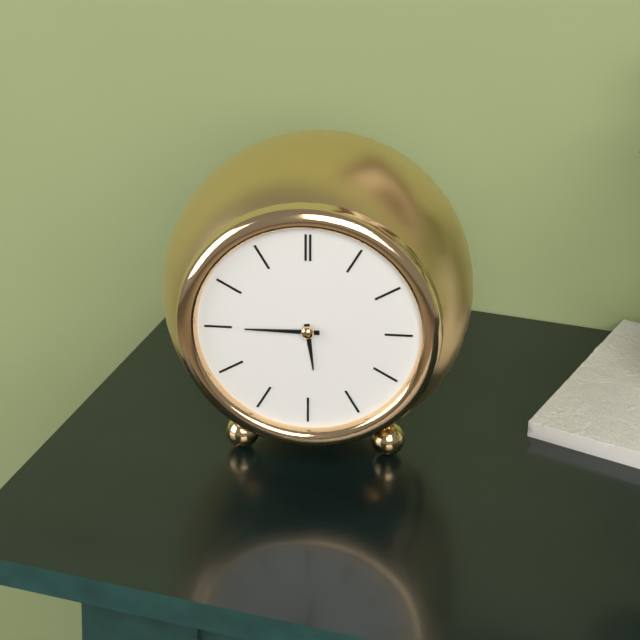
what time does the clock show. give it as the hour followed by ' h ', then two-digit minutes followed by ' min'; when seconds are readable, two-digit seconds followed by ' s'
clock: 5 h 45 min
